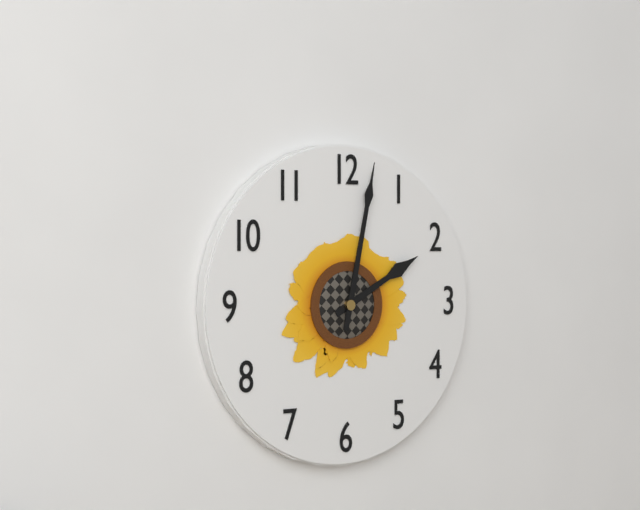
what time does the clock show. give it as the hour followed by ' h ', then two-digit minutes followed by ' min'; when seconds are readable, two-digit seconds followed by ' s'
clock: 2 h 02 min
